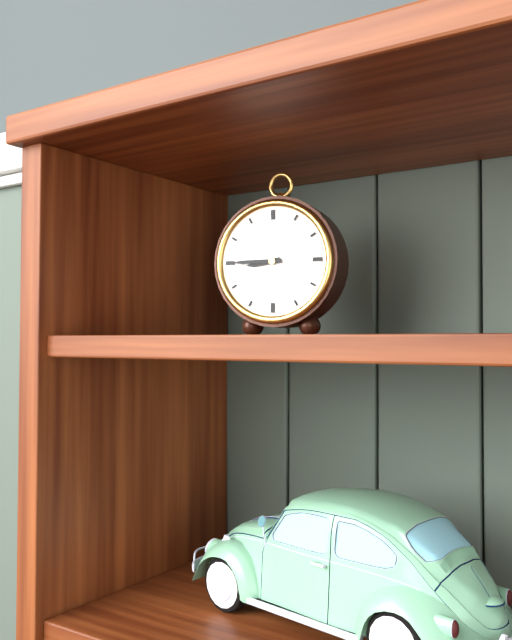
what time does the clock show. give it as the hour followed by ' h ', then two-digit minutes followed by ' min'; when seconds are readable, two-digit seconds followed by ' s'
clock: 8 h 45 min
